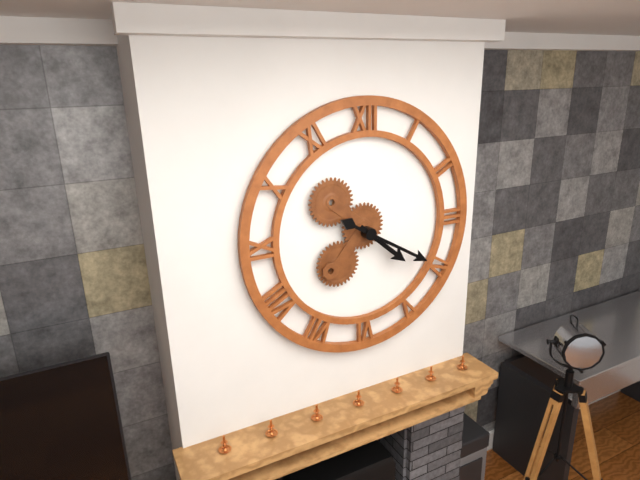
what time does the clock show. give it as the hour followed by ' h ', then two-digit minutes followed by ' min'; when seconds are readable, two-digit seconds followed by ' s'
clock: 4 h 20 min
